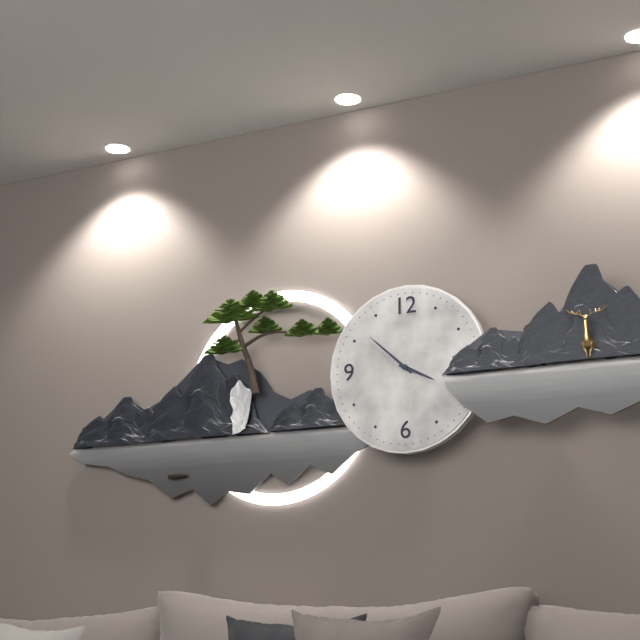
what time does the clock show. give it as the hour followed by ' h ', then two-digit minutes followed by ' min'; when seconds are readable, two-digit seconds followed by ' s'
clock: 3 h 52 min
